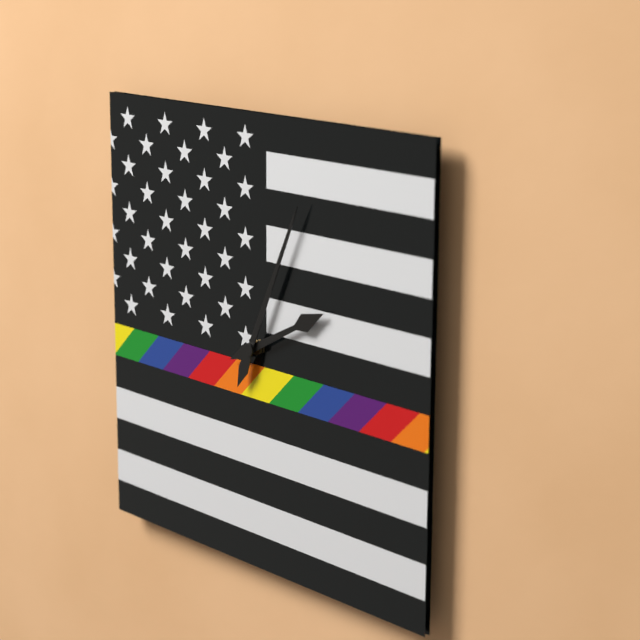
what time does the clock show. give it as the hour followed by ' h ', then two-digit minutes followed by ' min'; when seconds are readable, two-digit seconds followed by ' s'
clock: 2 h 04 min
